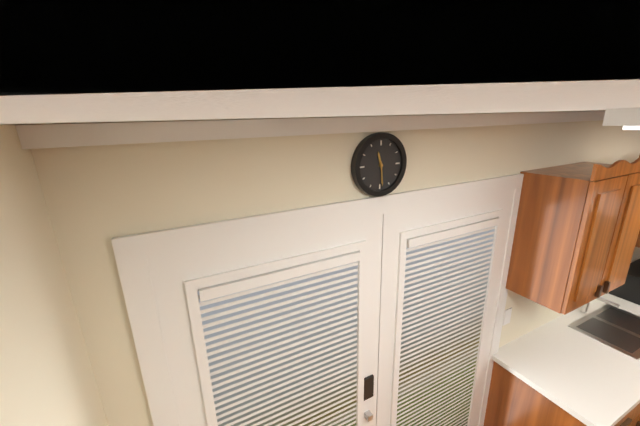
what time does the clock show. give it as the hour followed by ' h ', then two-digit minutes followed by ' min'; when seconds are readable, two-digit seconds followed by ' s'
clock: 11 h 29 min
